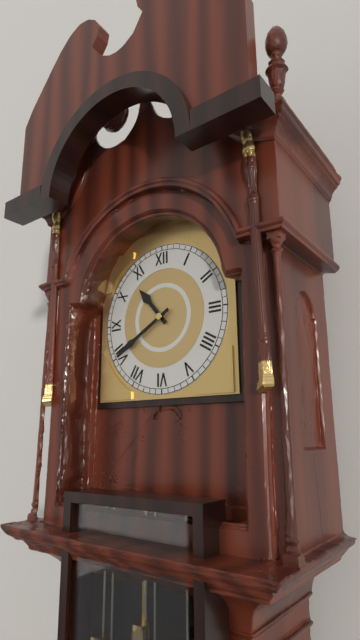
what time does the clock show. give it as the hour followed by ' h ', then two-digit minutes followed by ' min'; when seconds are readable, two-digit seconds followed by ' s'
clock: 10 h 40 min
